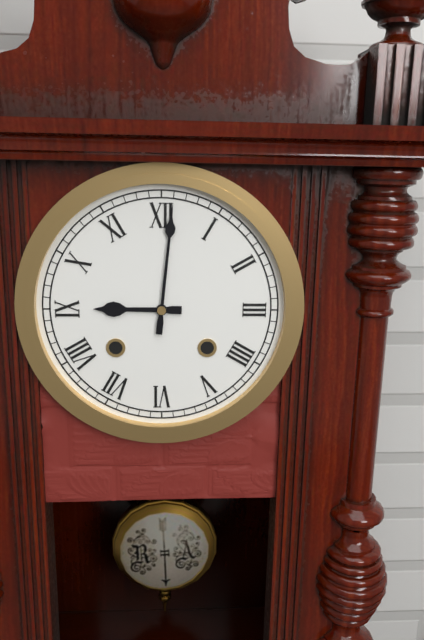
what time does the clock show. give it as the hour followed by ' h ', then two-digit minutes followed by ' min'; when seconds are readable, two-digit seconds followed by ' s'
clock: 9 h 01 min
